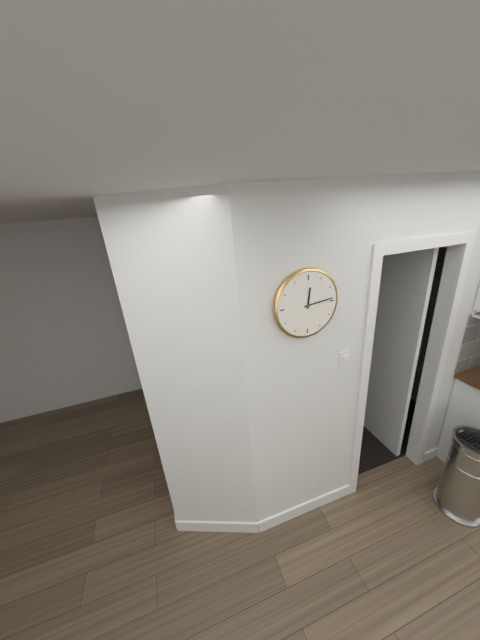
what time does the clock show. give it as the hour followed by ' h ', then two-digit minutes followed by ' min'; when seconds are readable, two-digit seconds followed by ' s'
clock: 12 h 14 min
